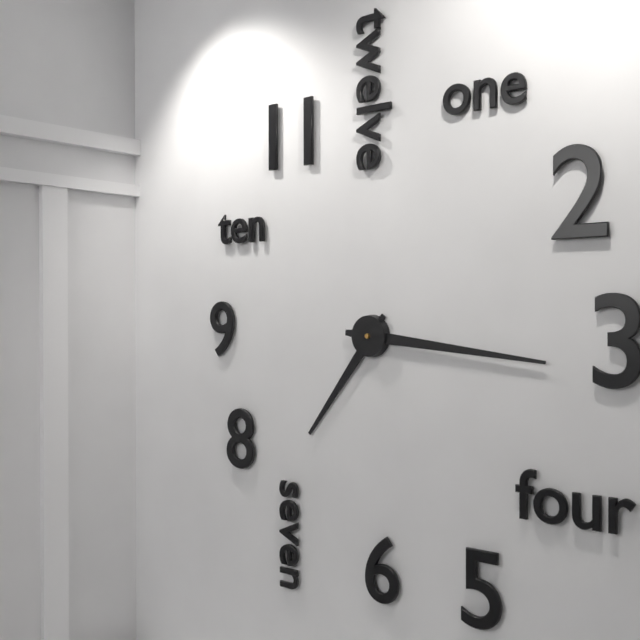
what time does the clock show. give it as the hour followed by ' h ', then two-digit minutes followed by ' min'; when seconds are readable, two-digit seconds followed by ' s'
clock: 7 h 16 min
